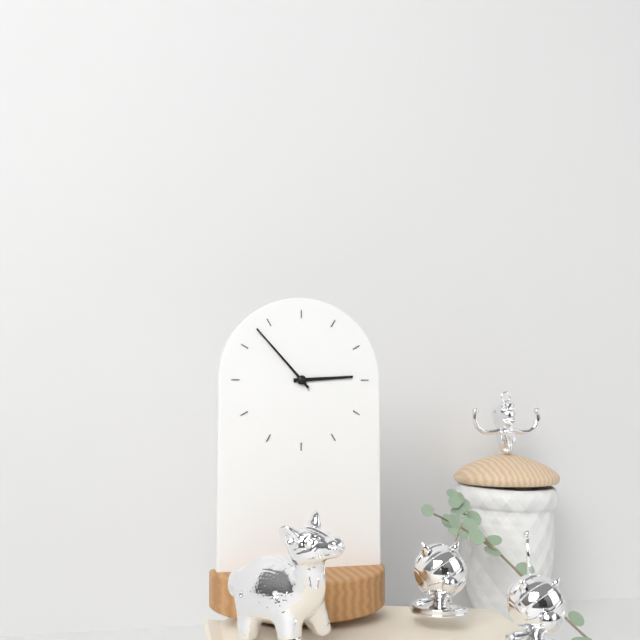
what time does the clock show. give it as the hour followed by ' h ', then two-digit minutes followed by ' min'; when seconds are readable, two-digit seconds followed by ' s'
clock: 2 h 53 min
